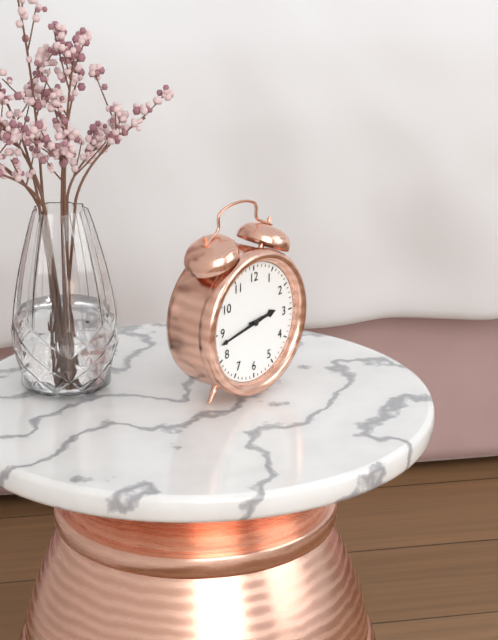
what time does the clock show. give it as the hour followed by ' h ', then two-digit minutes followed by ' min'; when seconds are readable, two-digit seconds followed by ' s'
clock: 2 h 43 min
